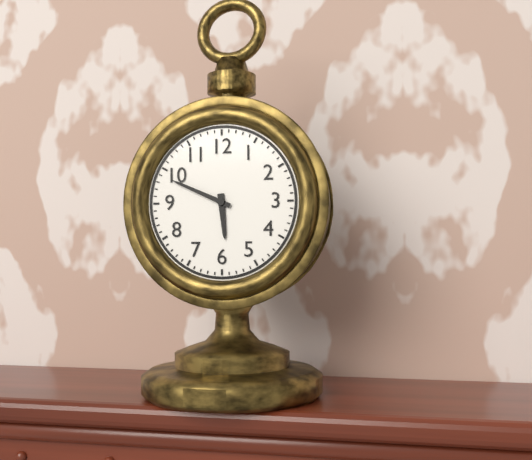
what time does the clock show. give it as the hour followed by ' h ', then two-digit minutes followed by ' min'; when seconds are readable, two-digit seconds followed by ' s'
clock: 5 h 49 min
